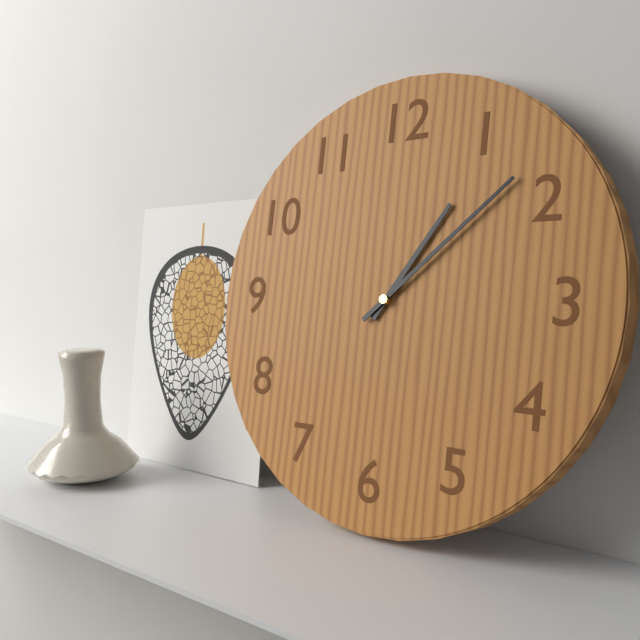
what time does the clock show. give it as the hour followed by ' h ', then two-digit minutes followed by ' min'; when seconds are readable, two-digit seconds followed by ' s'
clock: 1 h 08 min
